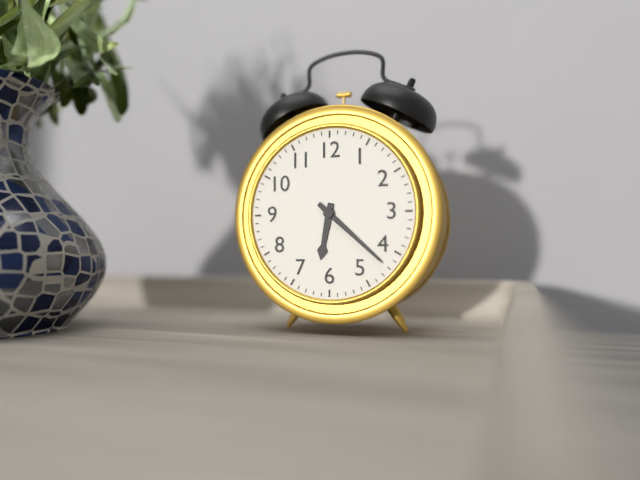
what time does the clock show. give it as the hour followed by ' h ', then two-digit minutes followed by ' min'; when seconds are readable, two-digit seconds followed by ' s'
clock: 6 h 22 min
